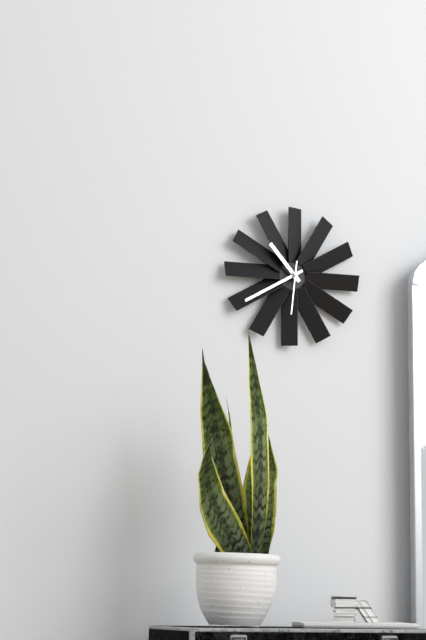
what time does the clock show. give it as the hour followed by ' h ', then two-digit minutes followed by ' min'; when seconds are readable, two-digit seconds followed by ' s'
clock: 10 h 40 min
